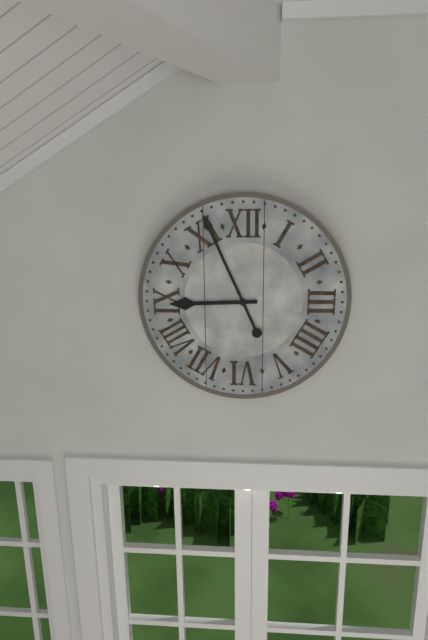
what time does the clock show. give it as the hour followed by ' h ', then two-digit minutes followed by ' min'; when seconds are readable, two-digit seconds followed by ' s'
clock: 8 h 56 min
